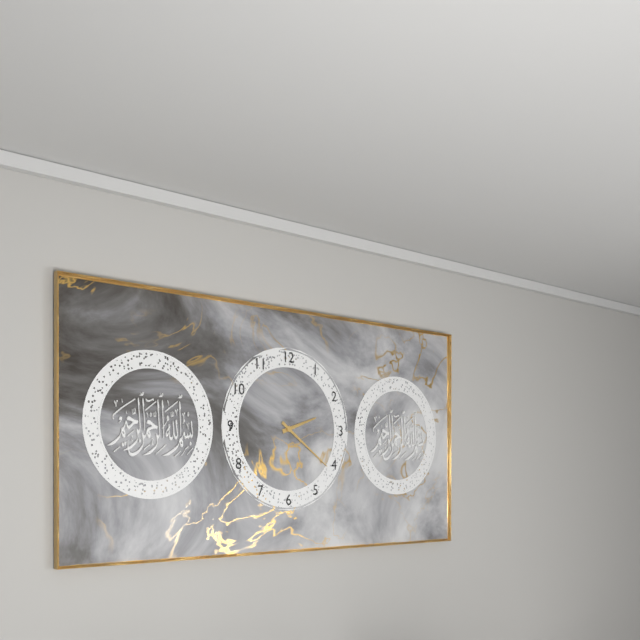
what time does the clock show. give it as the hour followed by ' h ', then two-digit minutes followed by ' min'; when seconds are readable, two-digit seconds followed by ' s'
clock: 2 h 21 min
